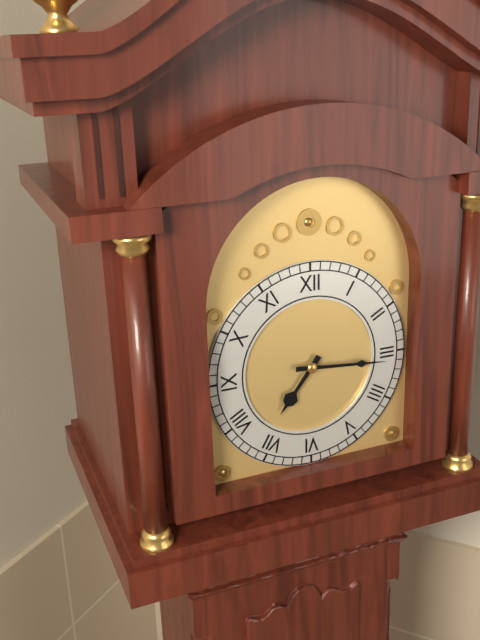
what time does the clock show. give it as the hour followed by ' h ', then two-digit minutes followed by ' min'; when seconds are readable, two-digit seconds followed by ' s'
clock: 7 h 16 min
